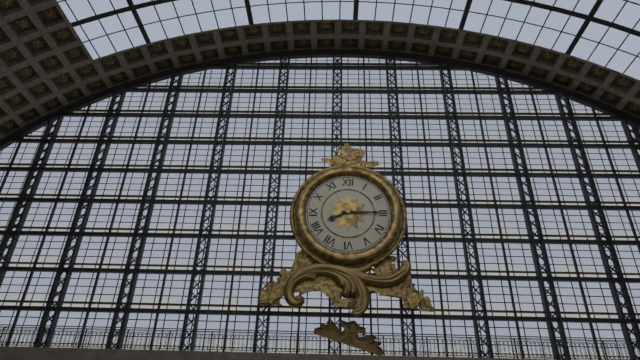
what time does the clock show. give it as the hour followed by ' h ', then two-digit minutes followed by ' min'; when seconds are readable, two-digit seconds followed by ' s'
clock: 8 h 15 min
